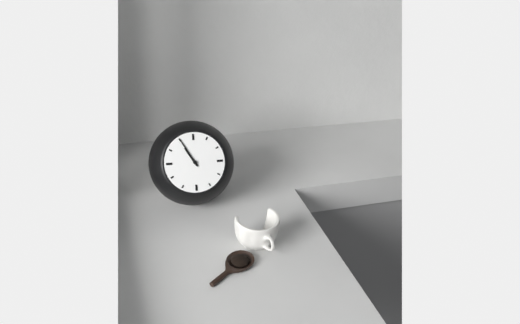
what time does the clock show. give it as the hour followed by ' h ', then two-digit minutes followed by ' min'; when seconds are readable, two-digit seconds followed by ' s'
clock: 10 h 55 min
